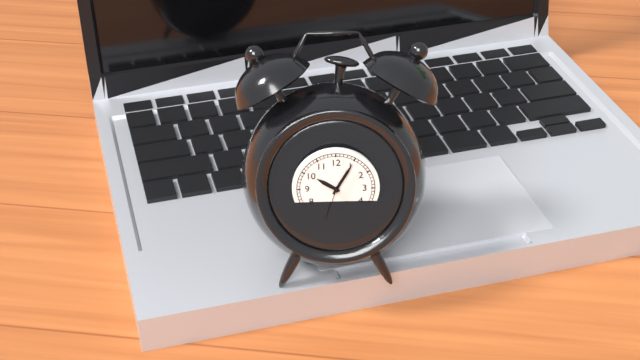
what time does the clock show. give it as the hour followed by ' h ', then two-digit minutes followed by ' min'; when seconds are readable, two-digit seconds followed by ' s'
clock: 10 h 05 min
